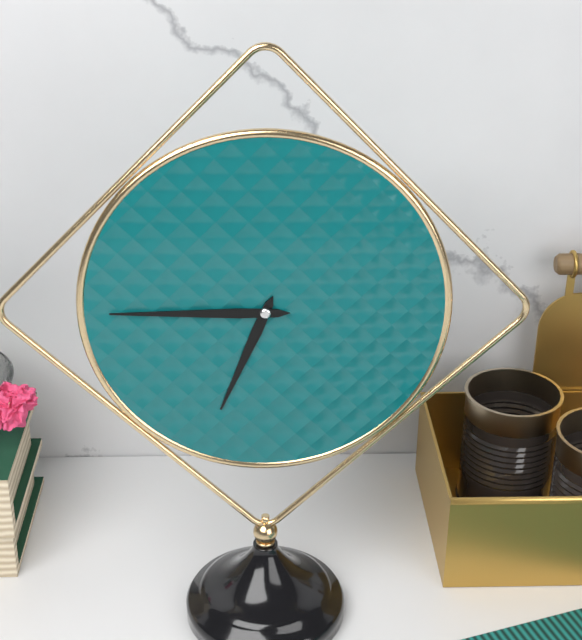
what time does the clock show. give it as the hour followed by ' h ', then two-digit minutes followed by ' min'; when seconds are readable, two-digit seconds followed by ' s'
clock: 6 h 45 min
